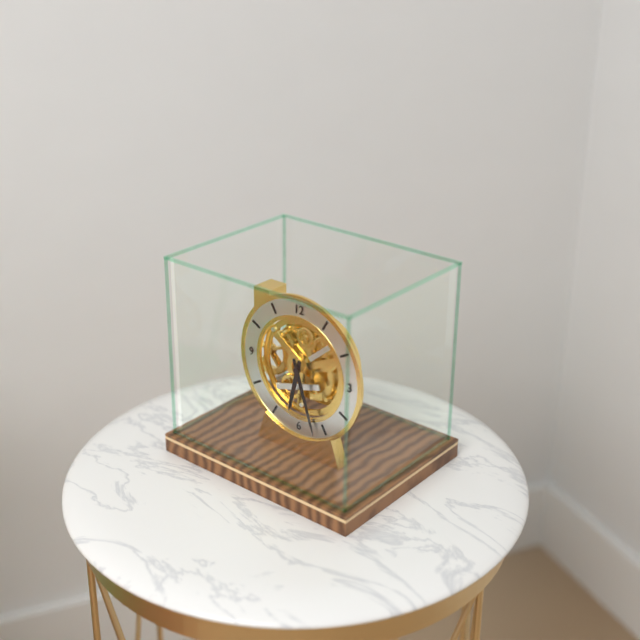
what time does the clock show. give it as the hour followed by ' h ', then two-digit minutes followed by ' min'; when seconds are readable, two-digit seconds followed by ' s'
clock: 6 h 27 min
